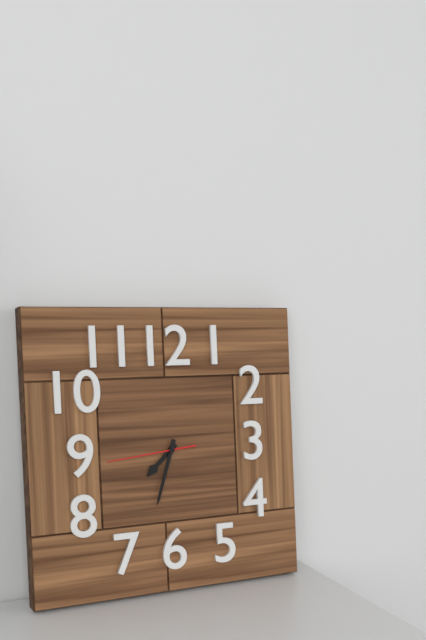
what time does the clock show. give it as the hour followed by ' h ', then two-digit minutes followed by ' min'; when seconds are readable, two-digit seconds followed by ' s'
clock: 7 h 33 min 44 s
